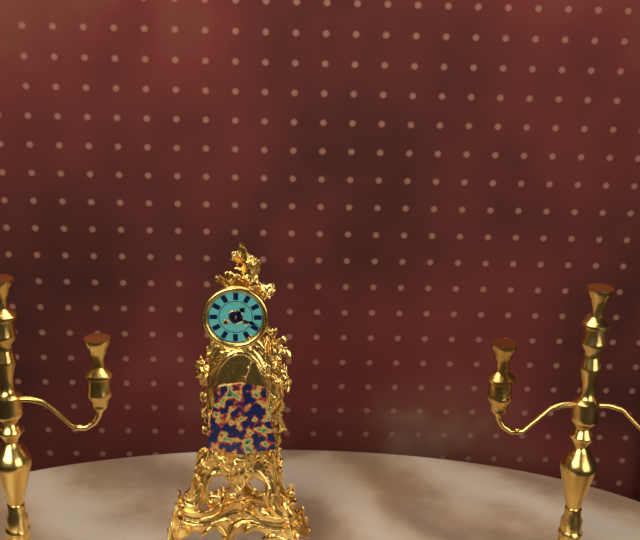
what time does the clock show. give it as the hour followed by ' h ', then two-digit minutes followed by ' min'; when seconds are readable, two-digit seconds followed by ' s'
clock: 1 h 18 min
